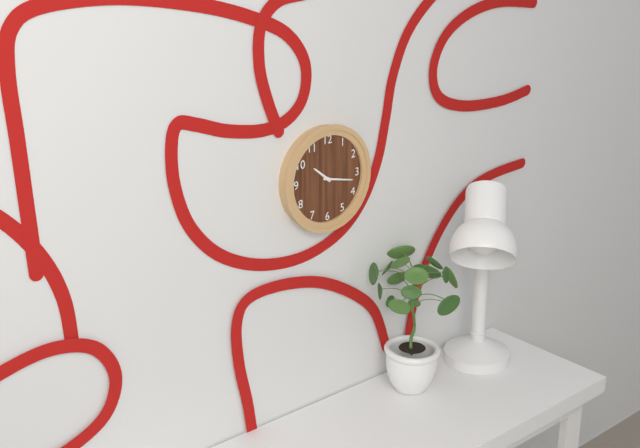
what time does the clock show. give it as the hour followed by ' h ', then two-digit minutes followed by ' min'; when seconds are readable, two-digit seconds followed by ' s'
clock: 10 h 17 min
